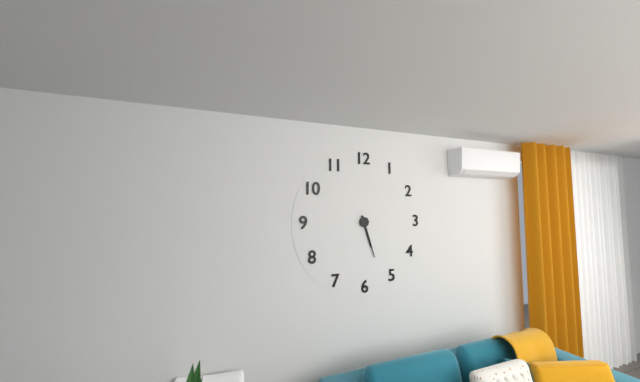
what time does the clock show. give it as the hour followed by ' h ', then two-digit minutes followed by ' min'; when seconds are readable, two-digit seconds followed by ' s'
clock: 5 h 27 min
